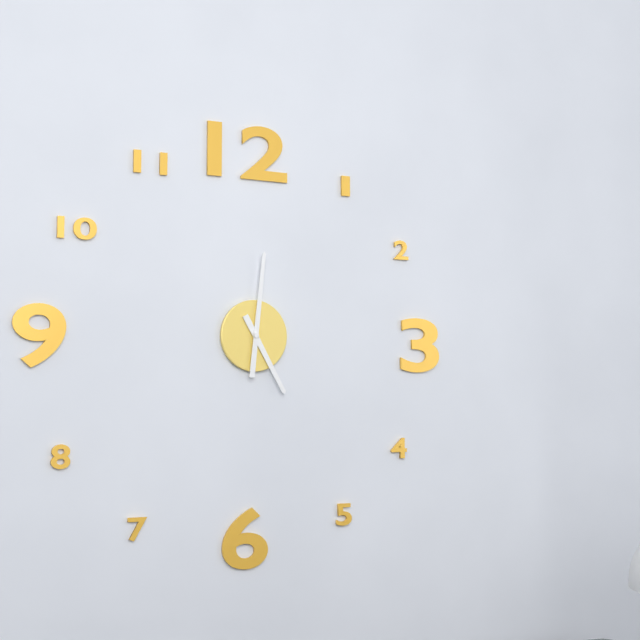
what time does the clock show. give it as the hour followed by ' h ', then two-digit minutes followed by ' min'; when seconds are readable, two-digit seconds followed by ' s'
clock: 5 h 01 min
